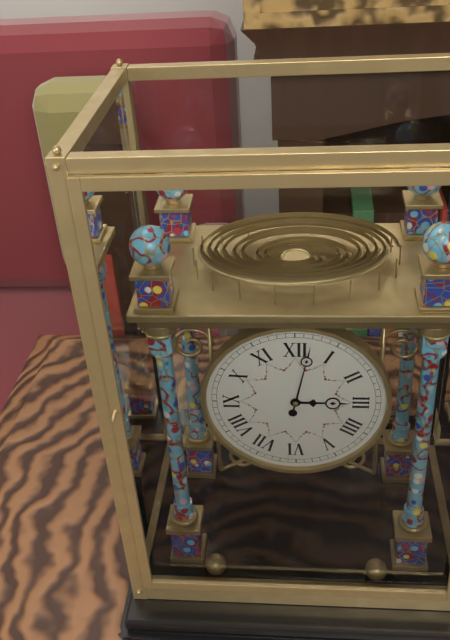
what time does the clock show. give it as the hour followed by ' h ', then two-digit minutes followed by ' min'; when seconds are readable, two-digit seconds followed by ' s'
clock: 3 h 02 min
